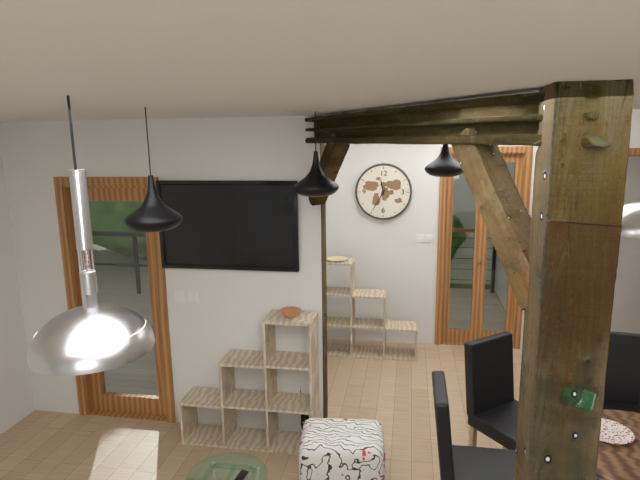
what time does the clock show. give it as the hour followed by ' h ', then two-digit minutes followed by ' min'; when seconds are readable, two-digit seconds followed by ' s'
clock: 11 h 35 min
